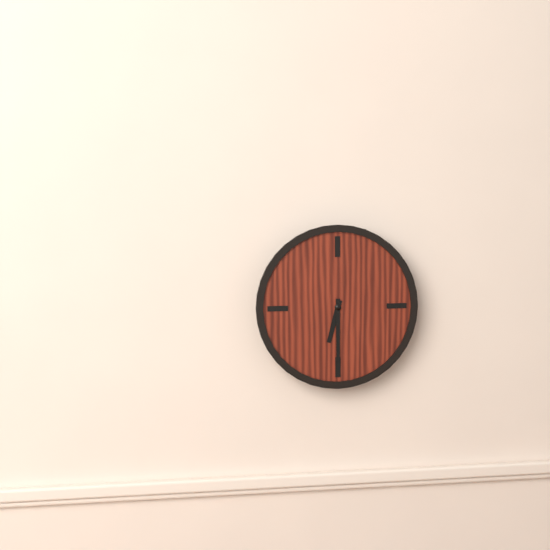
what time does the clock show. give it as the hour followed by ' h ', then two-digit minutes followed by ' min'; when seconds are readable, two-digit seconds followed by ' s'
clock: 6 h 30 min
